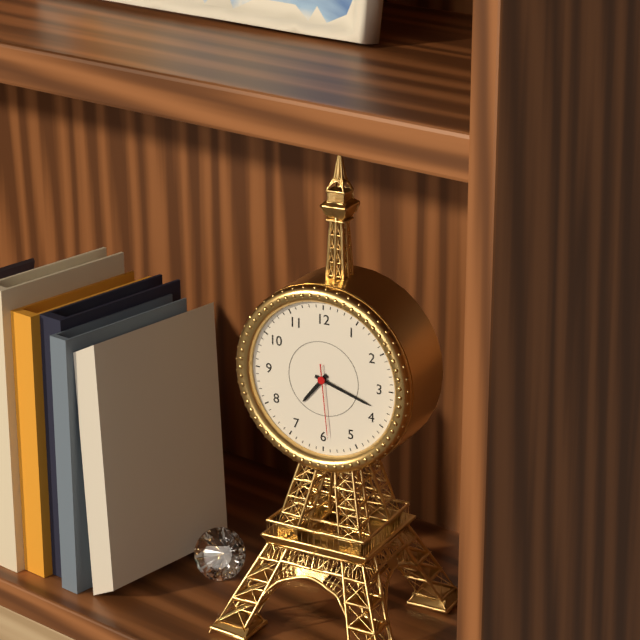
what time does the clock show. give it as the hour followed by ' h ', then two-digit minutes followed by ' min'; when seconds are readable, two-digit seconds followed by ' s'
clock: 7 h 18 min 29 s
